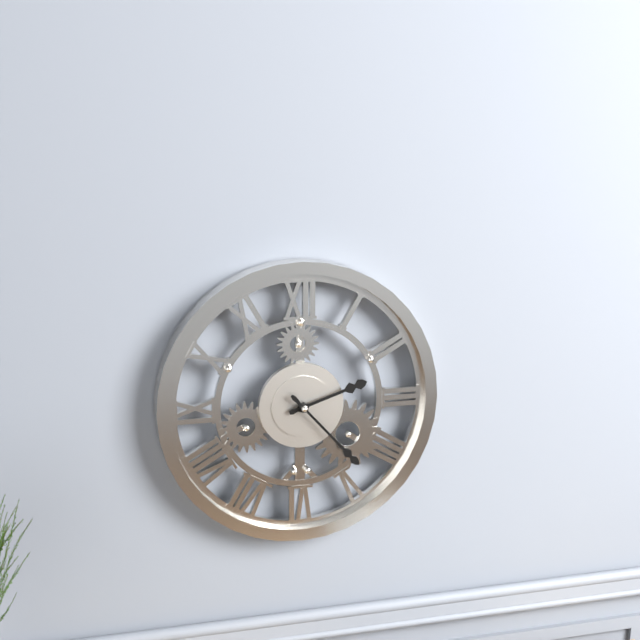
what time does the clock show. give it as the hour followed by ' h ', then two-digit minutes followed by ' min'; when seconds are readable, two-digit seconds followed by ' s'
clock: 2 h 23 min
